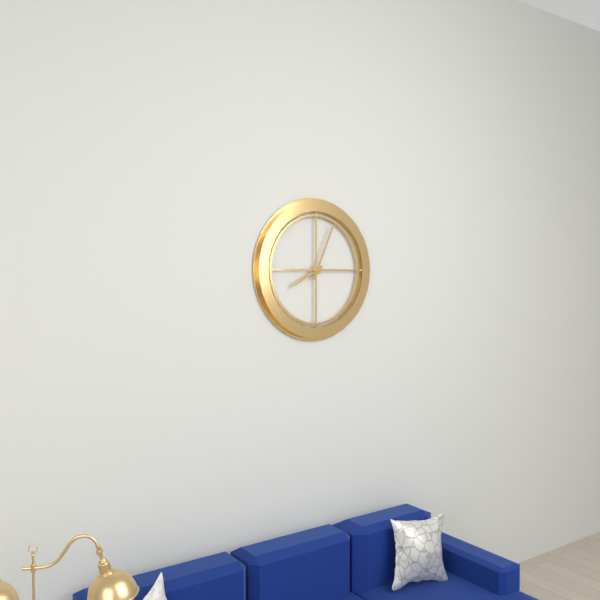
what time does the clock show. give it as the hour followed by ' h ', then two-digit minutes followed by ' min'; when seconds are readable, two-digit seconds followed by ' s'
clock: 8 h 04 min
